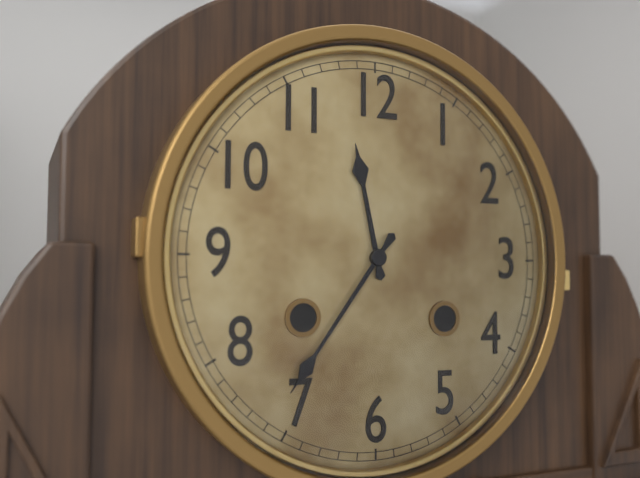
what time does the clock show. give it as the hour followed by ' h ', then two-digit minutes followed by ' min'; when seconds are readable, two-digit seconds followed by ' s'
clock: 11 h 36 min
